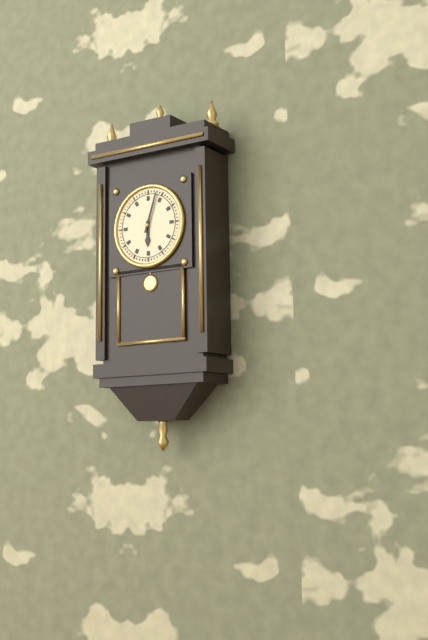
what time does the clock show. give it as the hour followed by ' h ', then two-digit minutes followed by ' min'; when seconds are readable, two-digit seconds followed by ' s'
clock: 6 h 03 min
